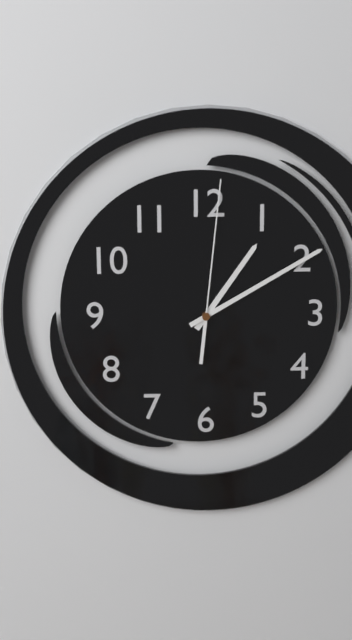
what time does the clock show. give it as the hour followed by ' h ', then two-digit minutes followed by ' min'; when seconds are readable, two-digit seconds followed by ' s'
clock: 1 h 10 min 01 s
